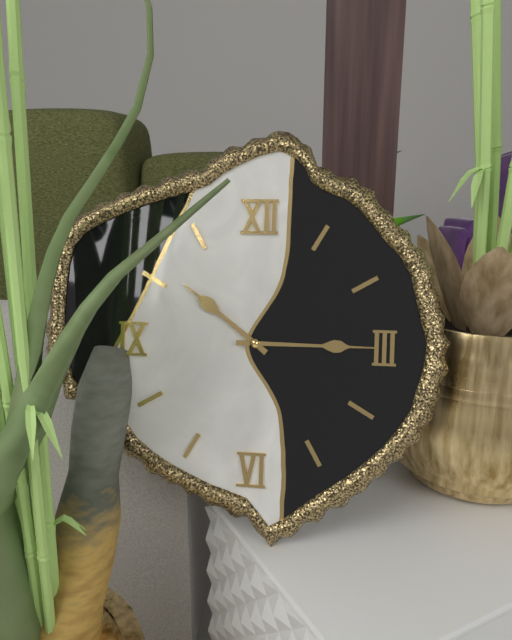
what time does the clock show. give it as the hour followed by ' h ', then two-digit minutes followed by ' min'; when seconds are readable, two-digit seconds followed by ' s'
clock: 10 h 15 min
